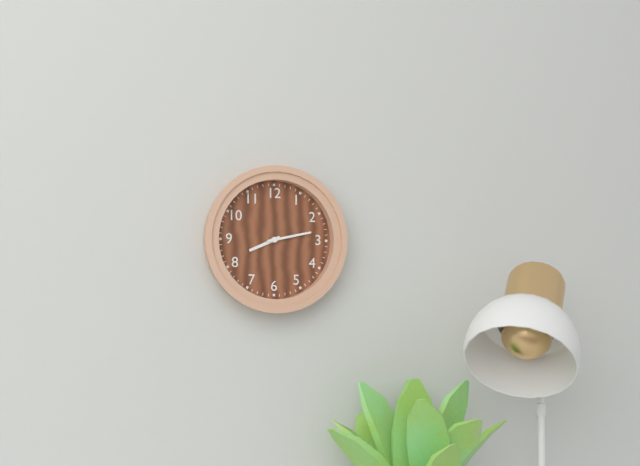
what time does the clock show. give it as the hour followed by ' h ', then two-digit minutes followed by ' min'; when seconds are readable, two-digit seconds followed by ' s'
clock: 8 h 13 min
